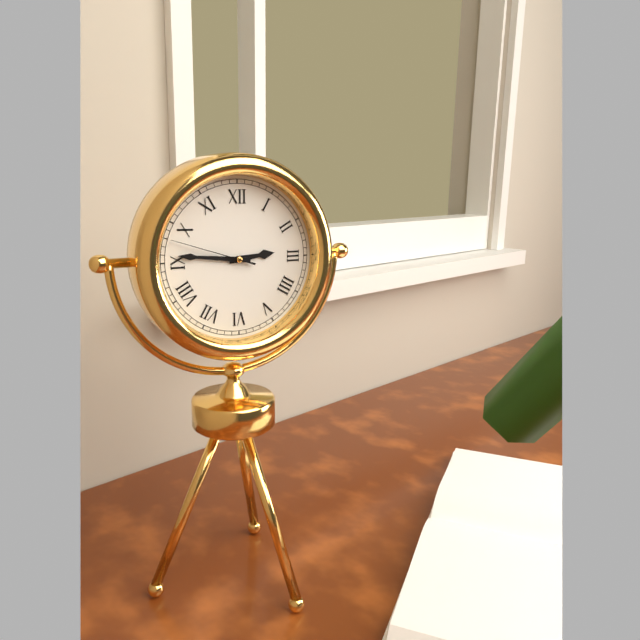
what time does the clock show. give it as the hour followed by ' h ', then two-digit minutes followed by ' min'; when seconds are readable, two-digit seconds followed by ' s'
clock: 2 h 46 min 48 s
